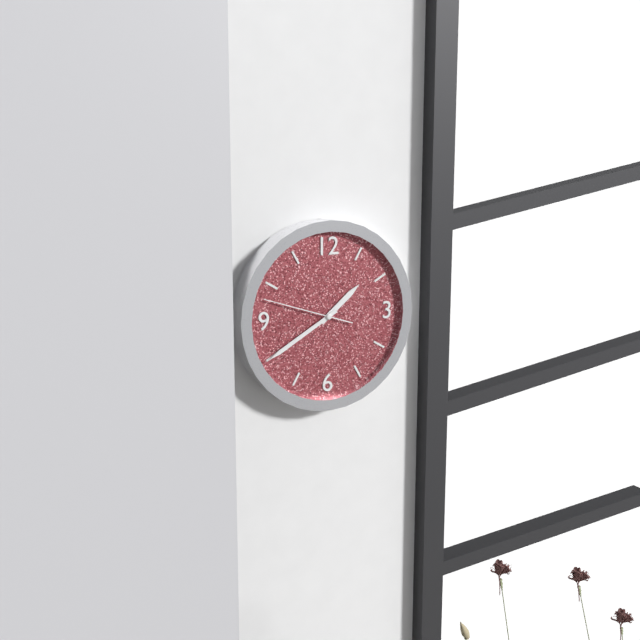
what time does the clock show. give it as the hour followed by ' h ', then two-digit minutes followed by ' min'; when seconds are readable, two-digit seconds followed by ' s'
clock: 1 h 40 min 48 s
